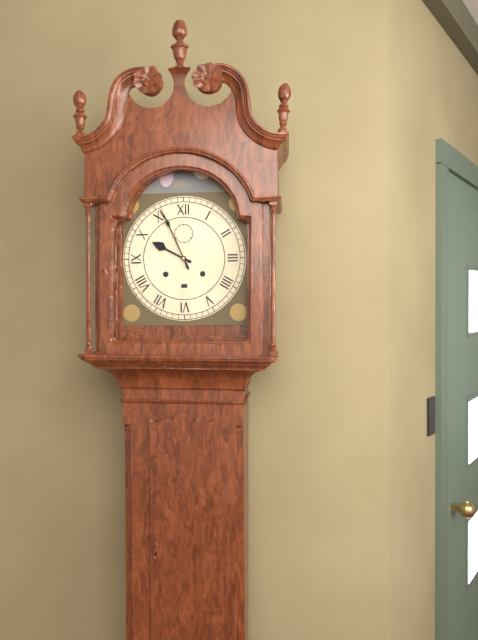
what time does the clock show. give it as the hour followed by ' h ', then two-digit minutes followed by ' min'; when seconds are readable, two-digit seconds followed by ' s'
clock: 9 h 56 min
